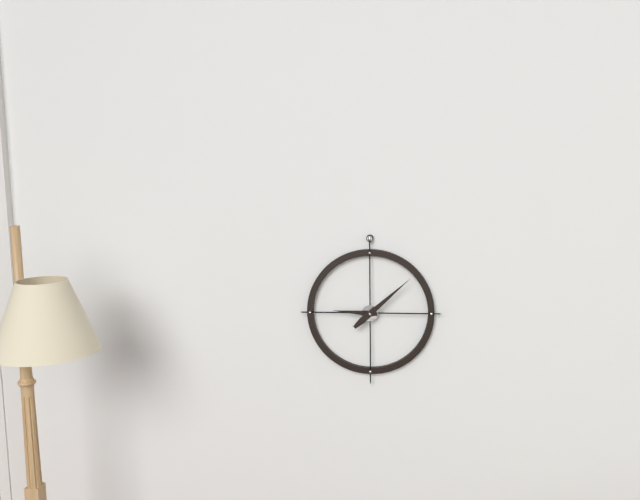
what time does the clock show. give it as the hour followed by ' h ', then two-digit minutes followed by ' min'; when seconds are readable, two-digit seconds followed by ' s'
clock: 9 h 08 min
